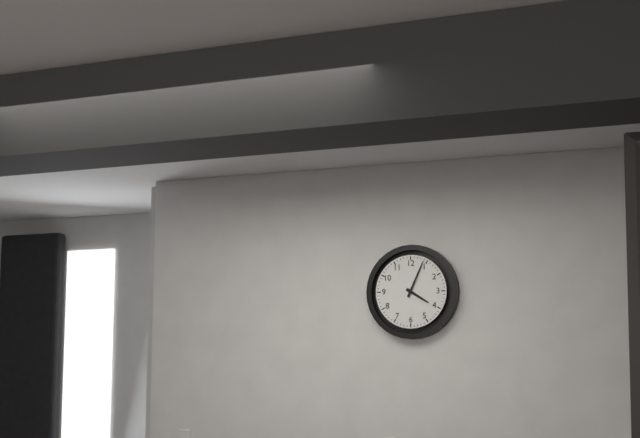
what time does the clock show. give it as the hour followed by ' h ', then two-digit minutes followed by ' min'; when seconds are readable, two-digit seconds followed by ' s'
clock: 4 h 04 min
